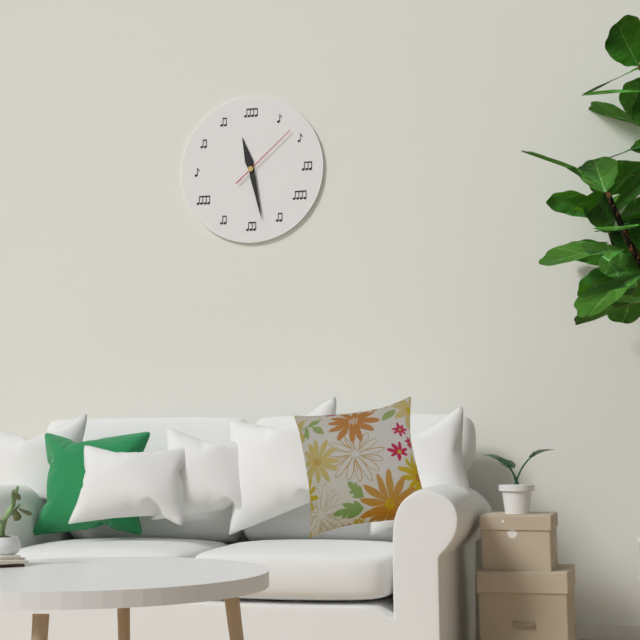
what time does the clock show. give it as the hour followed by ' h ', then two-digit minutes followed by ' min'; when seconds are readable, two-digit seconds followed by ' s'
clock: 11 h 28 min 08 s
